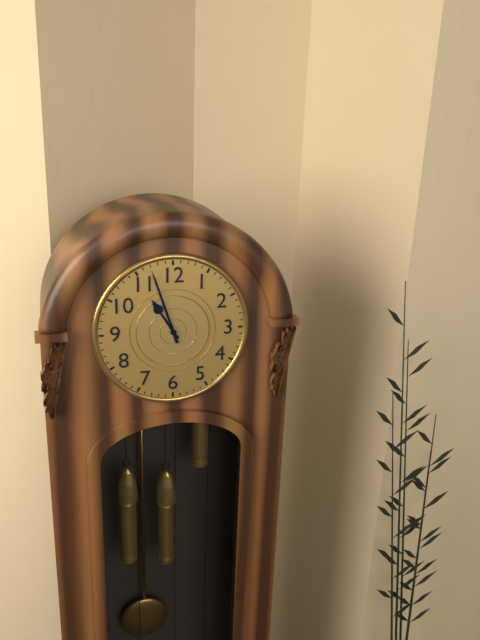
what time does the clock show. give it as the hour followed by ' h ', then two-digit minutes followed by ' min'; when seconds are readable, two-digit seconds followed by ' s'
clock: 10 h 57 min
